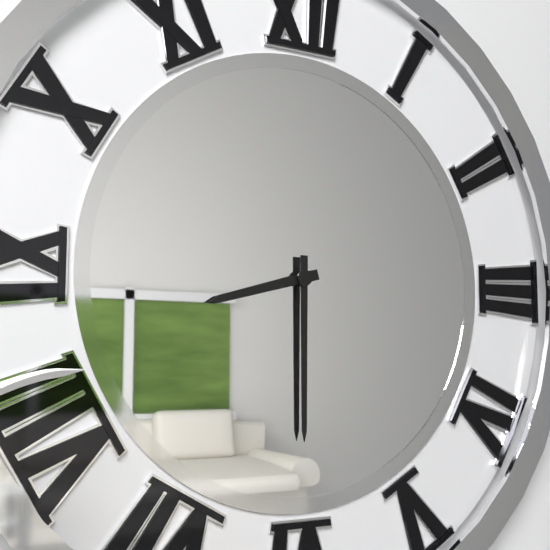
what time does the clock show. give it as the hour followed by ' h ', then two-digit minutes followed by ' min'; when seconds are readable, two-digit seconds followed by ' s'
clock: 8 h 30 min
